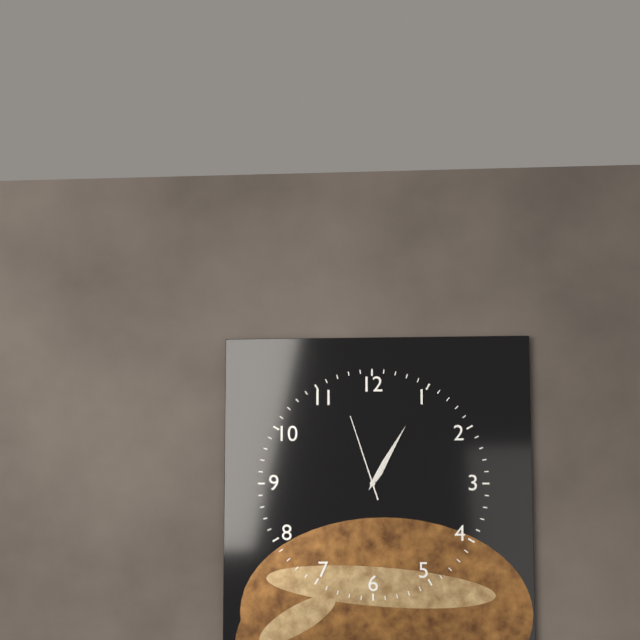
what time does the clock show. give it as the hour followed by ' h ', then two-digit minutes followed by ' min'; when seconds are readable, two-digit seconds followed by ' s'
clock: 1 h 05 min 57 s
